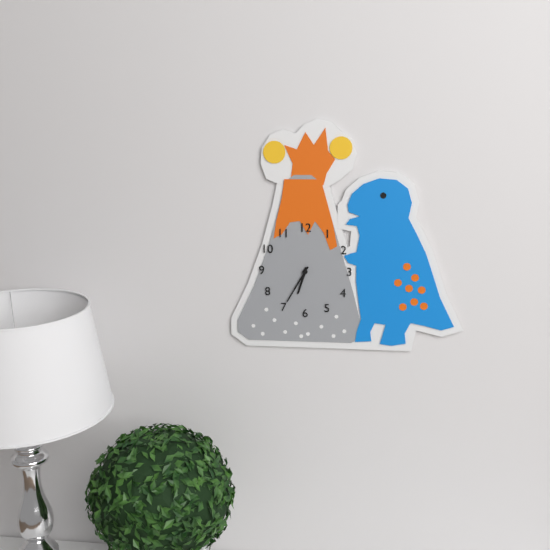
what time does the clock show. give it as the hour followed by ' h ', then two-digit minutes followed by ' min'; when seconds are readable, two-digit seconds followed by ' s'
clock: 6 h 35 min
